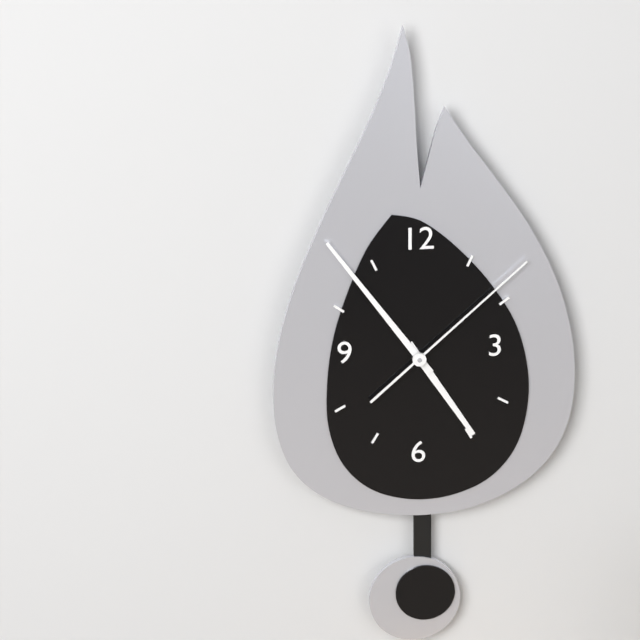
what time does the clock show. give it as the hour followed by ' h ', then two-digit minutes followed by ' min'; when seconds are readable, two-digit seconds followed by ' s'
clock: 4 h 54 min 08 s
